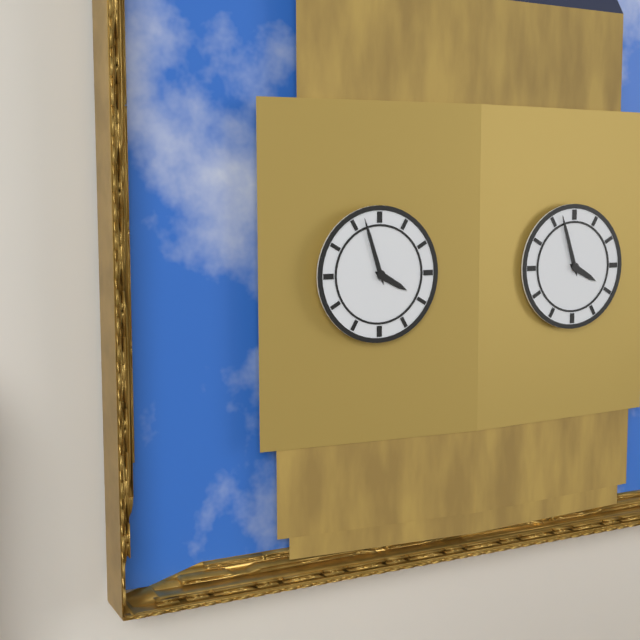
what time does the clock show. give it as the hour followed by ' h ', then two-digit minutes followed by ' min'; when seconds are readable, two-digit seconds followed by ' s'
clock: 3 h 57 min
